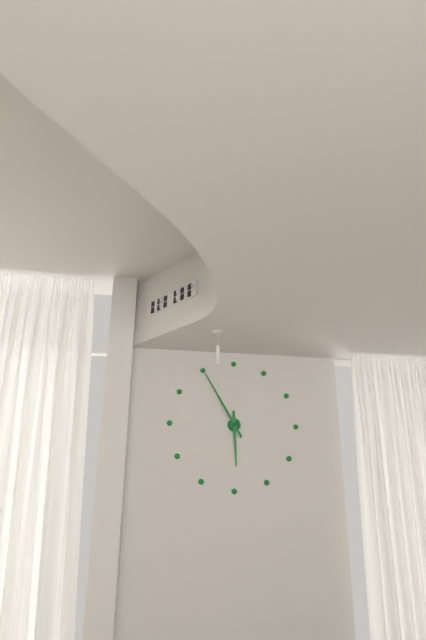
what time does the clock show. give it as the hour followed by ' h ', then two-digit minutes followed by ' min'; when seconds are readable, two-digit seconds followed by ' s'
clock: 5 h 55 min
